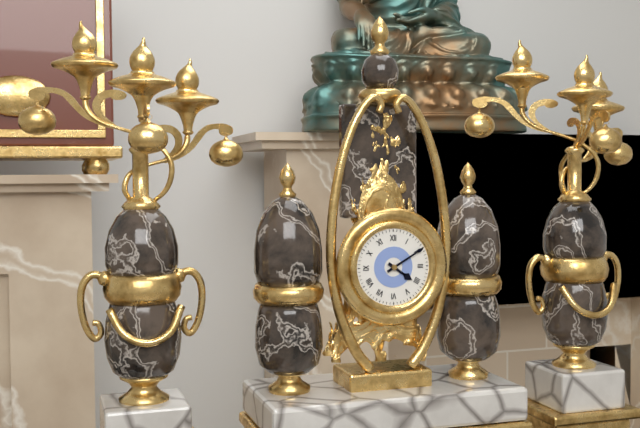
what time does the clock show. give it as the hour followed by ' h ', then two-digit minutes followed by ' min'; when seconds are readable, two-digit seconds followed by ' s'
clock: 4 h 10 min
